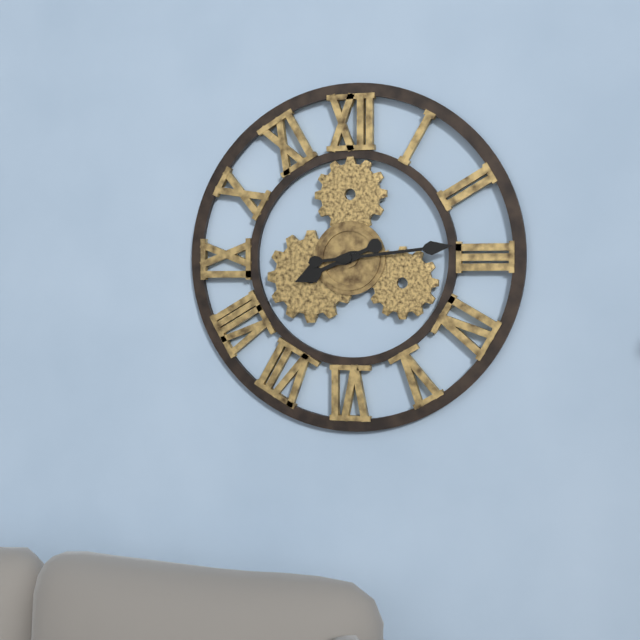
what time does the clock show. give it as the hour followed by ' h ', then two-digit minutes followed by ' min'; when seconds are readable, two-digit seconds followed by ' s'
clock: 8 h 14 min
